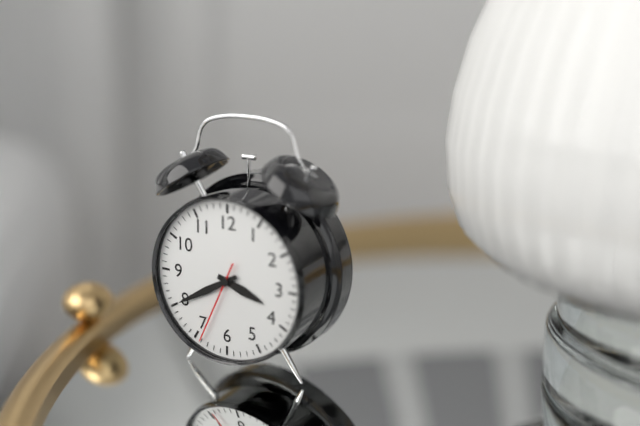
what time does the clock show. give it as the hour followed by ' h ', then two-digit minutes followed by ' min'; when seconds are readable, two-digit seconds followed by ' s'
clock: 3 h 40 min 34 s
